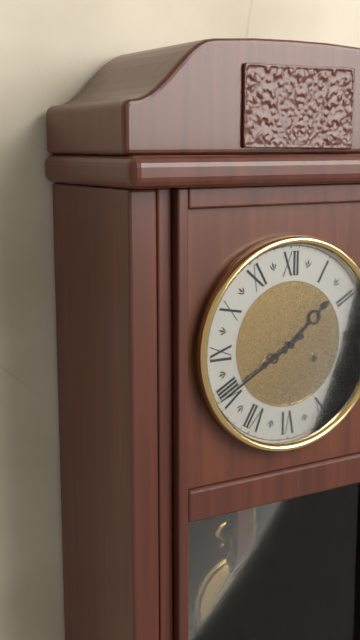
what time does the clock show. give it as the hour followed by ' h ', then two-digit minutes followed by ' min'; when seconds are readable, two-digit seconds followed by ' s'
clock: 1 h 40 min
